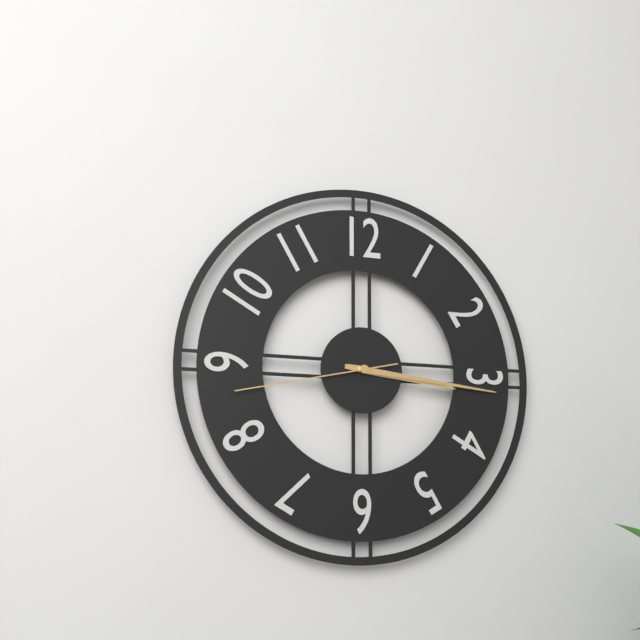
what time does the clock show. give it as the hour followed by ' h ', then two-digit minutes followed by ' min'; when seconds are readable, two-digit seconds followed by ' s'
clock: 3 h 16 min 43 s
